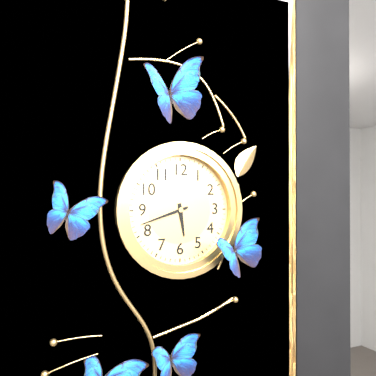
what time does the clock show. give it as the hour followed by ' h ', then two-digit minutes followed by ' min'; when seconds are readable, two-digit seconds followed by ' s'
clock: 5 h 42 min
